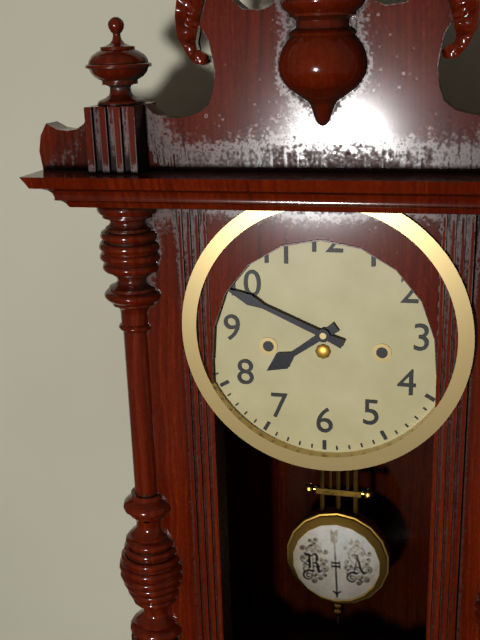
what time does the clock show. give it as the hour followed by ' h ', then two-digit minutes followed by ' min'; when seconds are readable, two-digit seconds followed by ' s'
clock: 7 h 49 min
